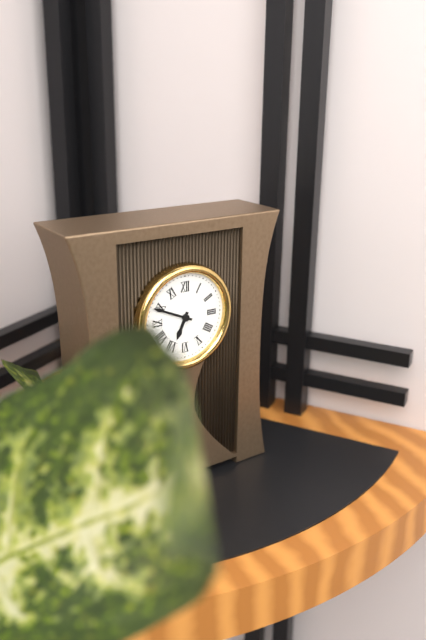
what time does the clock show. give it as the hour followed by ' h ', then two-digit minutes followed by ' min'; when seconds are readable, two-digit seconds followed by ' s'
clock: 6 h 49 min
